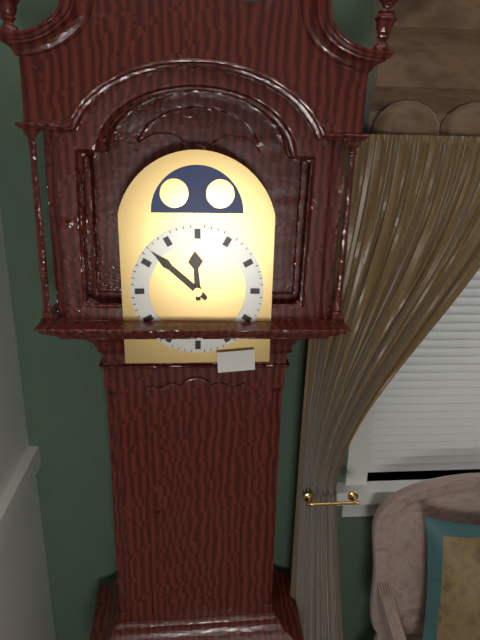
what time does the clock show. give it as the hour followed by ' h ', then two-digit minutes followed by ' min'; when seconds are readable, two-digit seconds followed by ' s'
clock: 11 h 52 min
